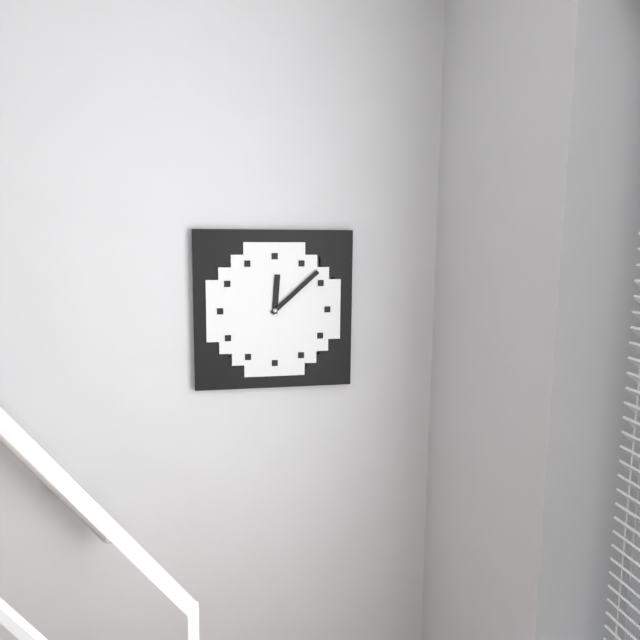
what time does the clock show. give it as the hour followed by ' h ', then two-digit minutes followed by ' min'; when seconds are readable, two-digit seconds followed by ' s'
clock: 12 h 08 min
